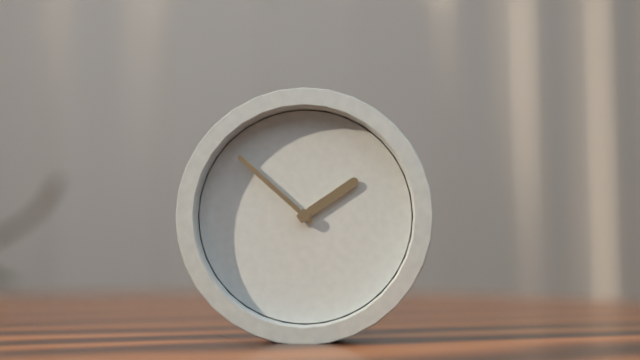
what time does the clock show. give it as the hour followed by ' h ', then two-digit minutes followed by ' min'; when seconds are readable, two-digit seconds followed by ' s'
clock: 1 h 52 min
